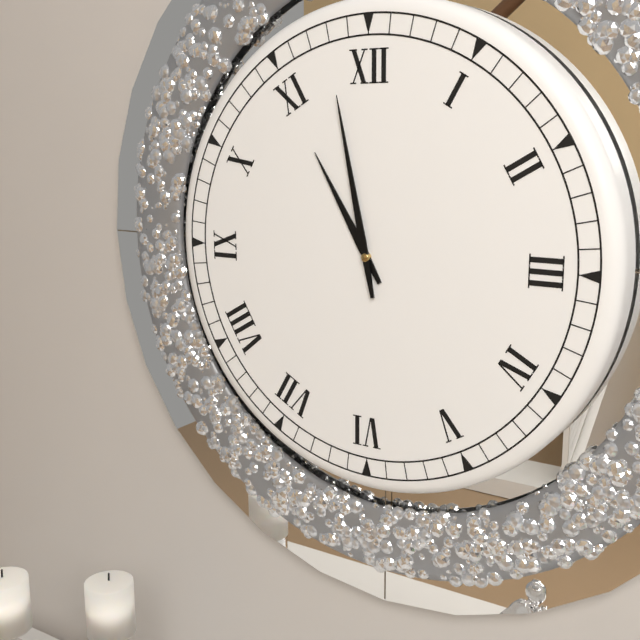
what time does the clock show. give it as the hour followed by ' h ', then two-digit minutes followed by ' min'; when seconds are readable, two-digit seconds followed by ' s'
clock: 10 h 58 min
